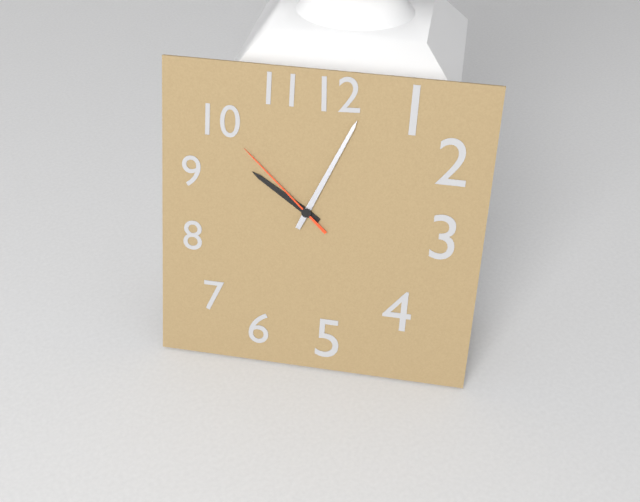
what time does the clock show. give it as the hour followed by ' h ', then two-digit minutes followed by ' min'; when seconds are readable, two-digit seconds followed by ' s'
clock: 10 h 04 min 52 s
